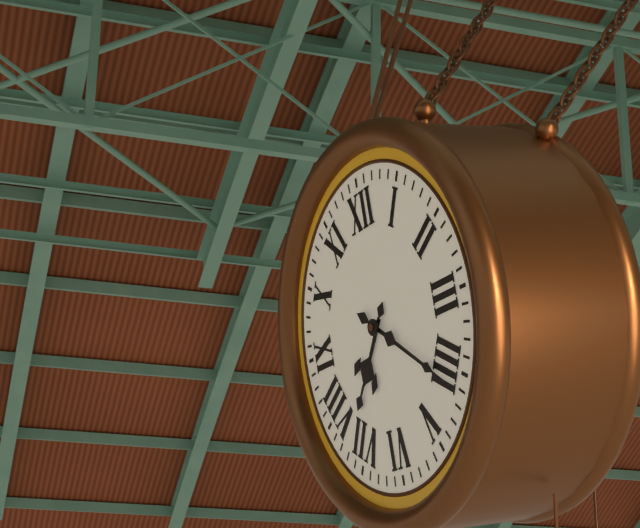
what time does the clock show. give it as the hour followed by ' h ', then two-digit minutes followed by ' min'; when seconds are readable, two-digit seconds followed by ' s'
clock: 7 h 21 min
